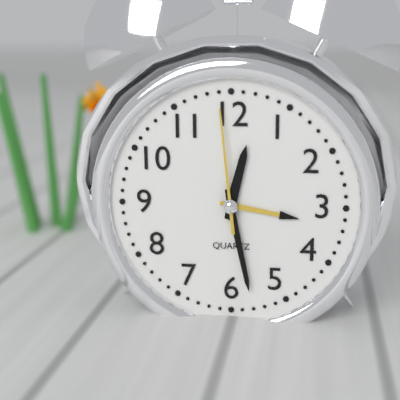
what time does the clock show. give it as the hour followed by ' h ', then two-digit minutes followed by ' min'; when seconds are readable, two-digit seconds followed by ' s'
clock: 12 h 28 min 59 s
